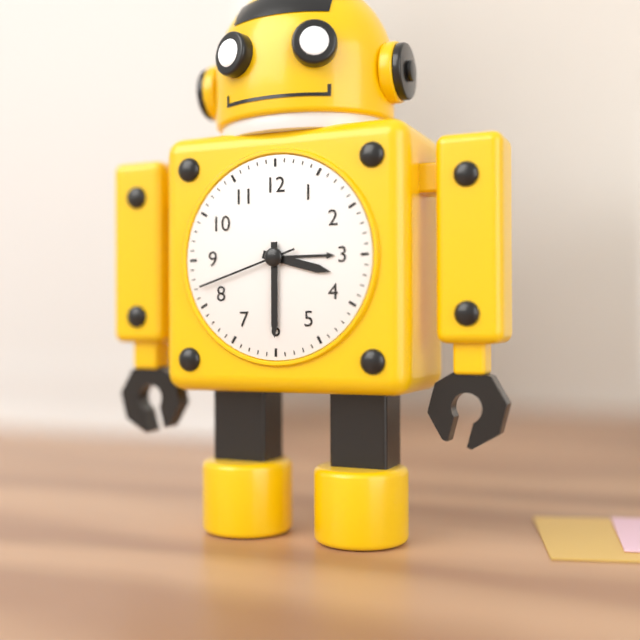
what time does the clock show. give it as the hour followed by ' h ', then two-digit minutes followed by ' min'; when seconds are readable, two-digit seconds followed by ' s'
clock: 3 h 30 min 42 s
